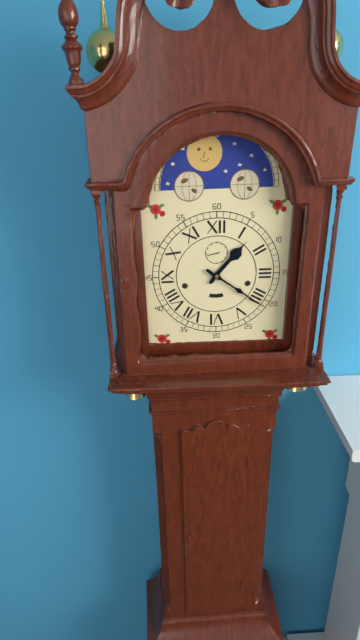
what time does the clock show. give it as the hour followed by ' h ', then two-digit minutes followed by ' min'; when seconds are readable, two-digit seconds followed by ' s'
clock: 1 h 21 min
